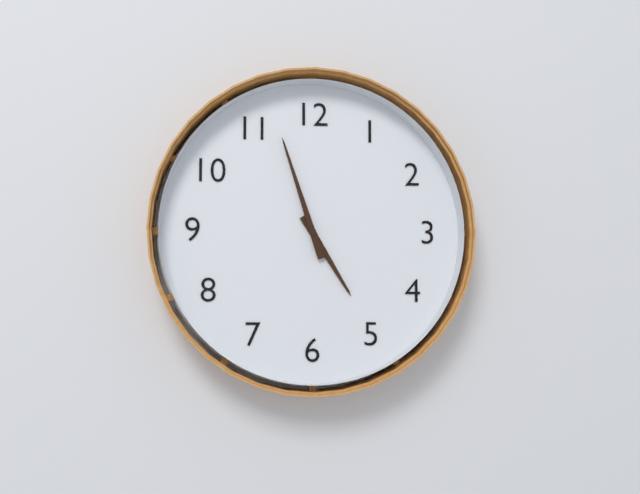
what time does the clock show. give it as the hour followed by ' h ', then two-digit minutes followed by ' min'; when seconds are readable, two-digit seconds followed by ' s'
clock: 4 h 57 min
